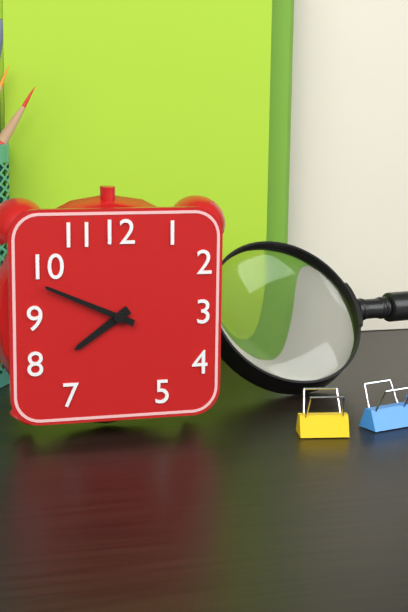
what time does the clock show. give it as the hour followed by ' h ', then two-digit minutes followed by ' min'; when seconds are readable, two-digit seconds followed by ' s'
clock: 7 h 49 min
